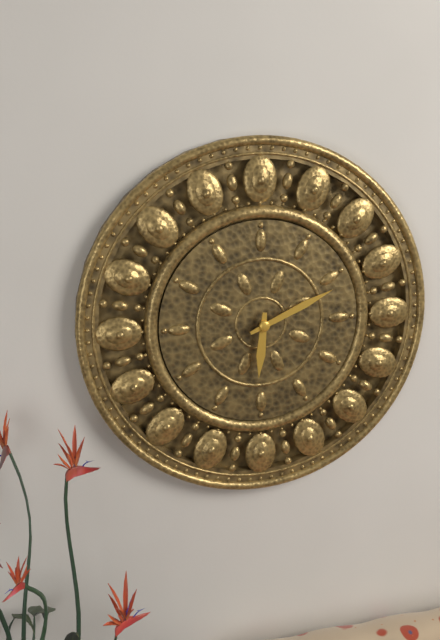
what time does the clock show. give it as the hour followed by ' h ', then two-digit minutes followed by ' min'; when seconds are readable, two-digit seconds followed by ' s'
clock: 6 h 11 min
